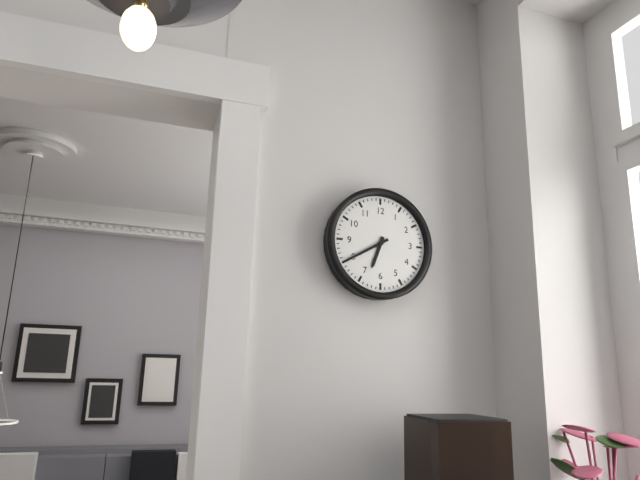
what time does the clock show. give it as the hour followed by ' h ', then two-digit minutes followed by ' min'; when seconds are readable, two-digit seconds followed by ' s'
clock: 6 h 40 min
